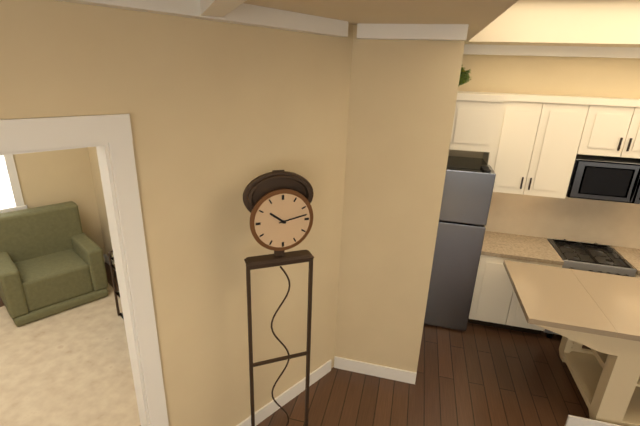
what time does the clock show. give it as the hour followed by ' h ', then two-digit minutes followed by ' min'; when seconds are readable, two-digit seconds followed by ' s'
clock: 10 h 13 min
